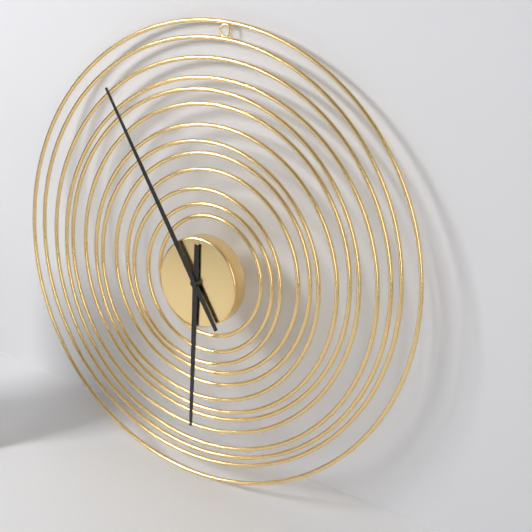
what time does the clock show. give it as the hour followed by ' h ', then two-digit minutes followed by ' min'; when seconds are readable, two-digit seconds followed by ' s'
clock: 5 h 54 min
